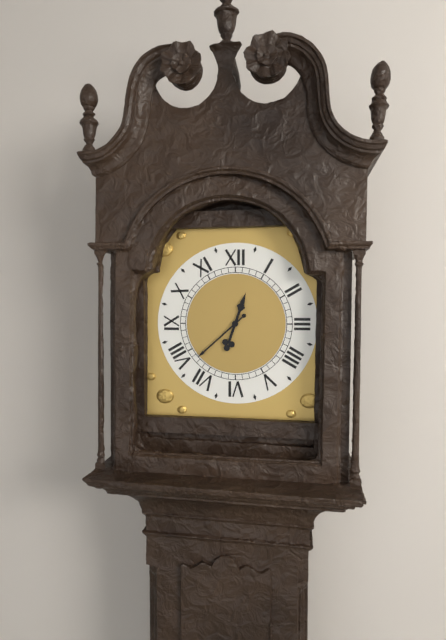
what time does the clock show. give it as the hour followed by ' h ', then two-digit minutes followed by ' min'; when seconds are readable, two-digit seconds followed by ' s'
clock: 12 h 38 min
